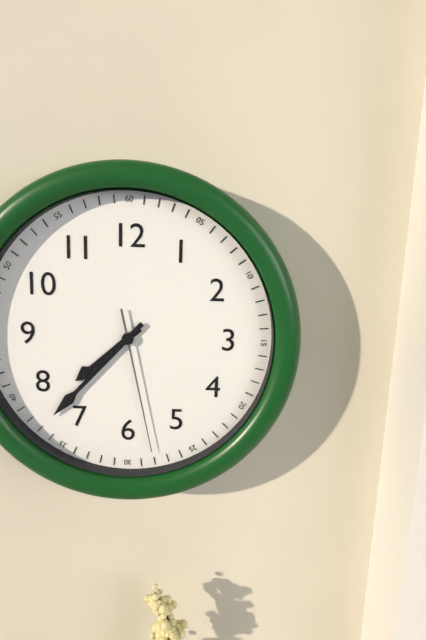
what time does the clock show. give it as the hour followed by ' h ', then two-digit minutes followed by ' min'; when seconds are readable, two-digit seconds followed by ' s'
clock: 7 h 37 min 28 s
